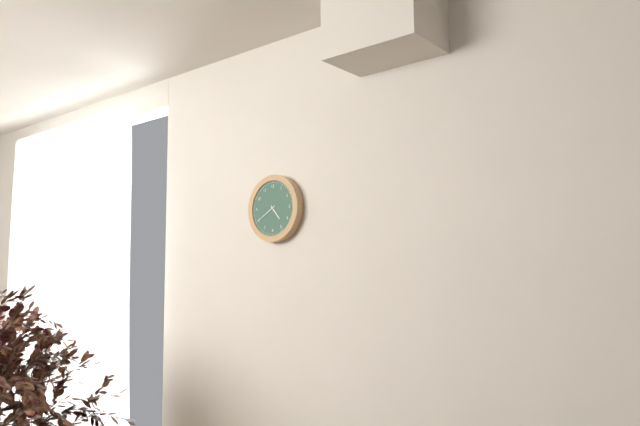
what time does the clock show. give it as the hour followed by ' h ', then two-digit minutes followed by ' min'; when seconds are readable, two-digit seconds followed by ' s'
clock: 4 h 40 min
